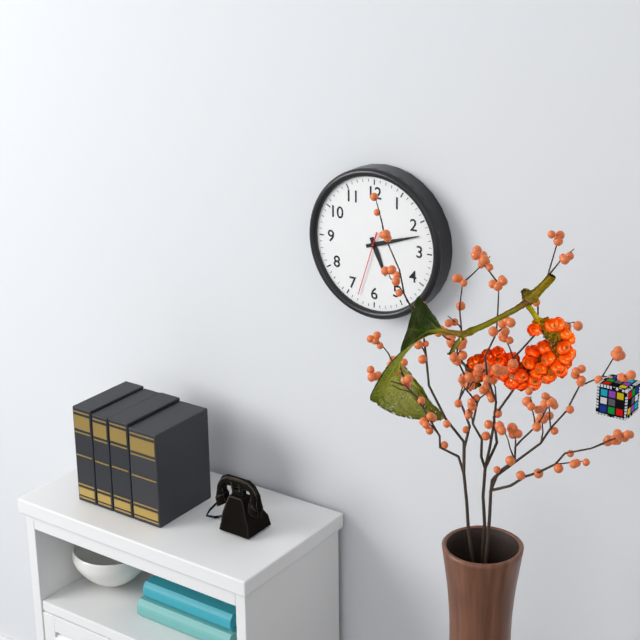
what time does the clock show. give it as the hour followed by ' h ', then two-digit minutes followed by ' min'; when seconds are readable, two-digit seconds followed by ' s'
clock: 5 h 12 min 33 s
